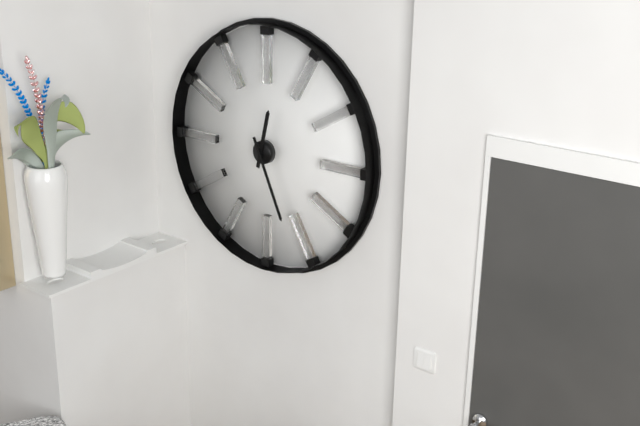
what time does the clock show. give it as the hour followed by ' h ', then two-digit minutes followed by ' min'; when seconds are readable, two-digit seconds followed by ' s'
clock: 12 h 26 min
